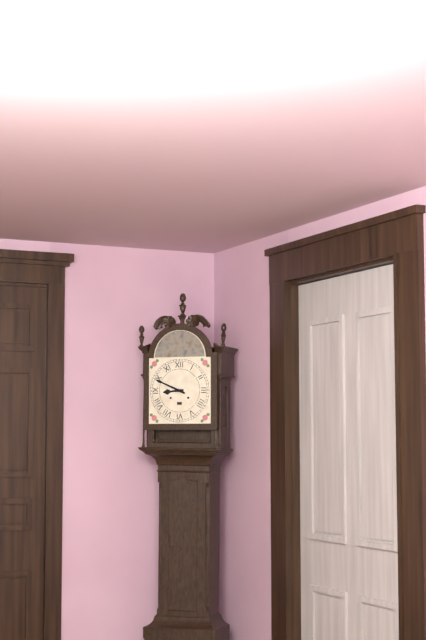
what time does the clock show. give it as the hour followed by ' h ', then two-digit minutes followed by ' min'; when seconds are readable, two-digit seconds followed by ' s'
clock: 8 h 49 min
